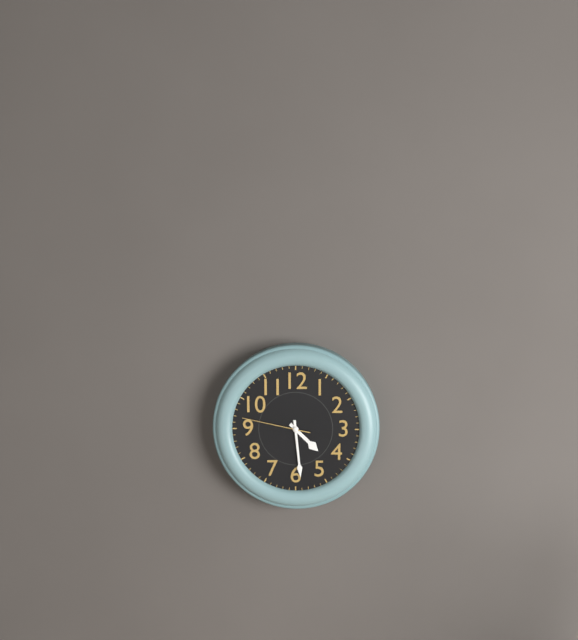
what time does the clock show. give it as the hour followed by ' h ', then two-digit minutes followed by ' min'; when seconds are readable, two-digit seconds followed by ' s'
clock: 4 h 29 min 47 s
